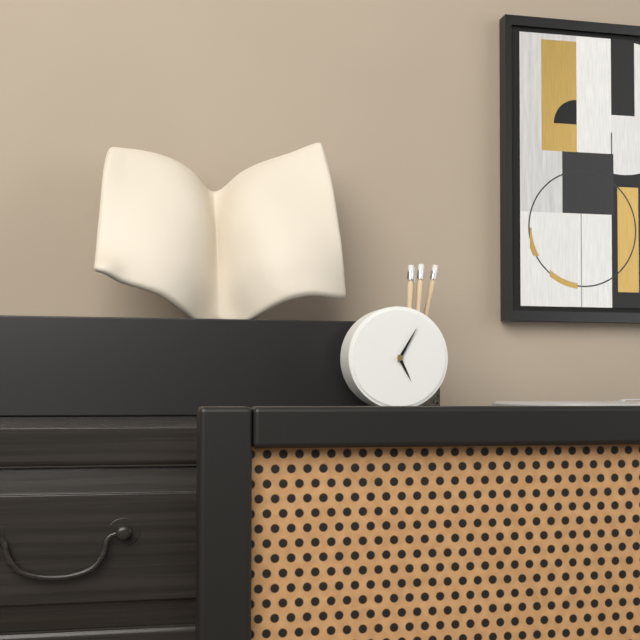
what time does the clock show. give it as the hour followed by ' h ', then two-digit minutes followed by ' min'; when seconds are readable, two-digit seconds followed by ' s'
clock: 5 h 05 min
